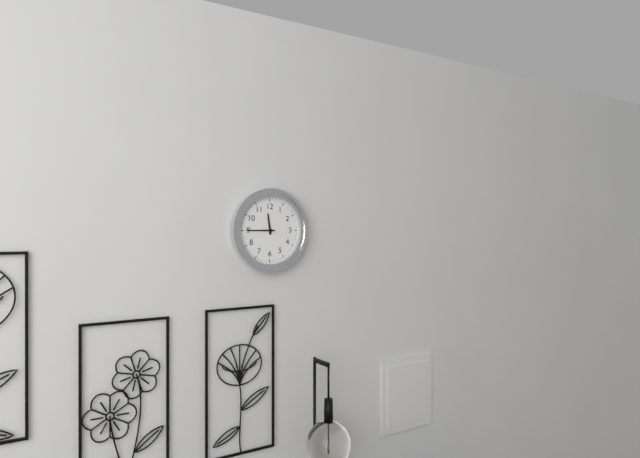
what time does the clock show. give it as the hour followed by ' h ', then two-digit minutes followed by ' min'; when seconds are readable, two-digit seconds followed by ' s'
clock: 11 h 45 min
